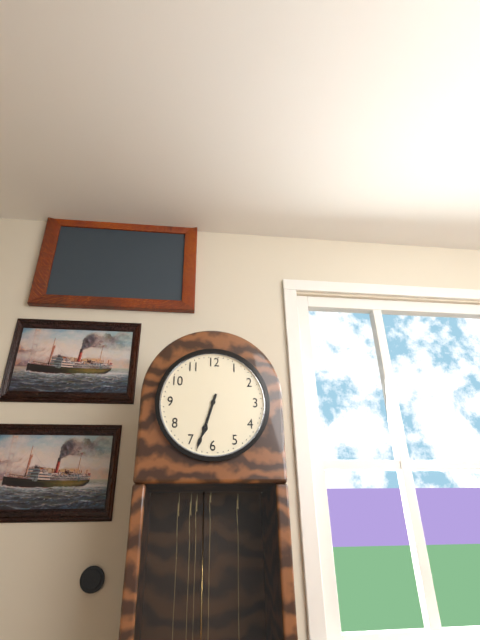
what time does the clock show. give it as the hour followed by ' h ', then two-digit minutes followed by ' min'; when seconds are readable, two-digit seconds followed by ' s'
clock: 6 h 33 min
